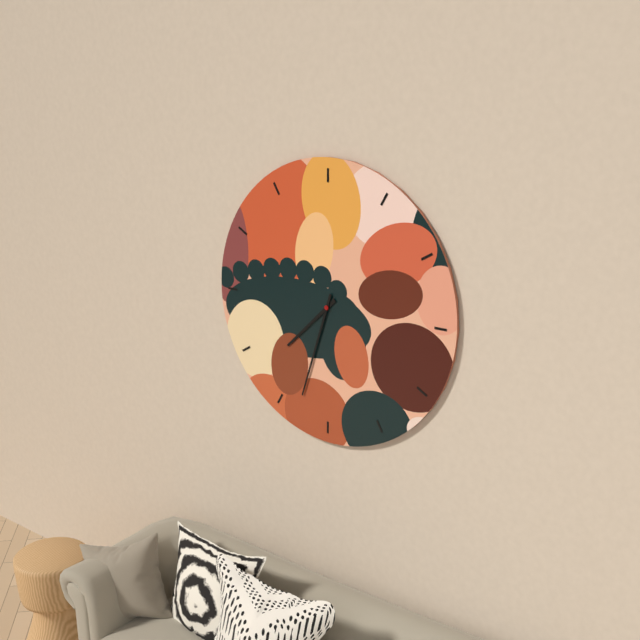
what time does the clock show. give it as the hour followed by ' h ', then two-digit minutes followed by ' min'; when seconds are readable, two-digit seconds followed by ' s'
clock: 7 h 33 min
